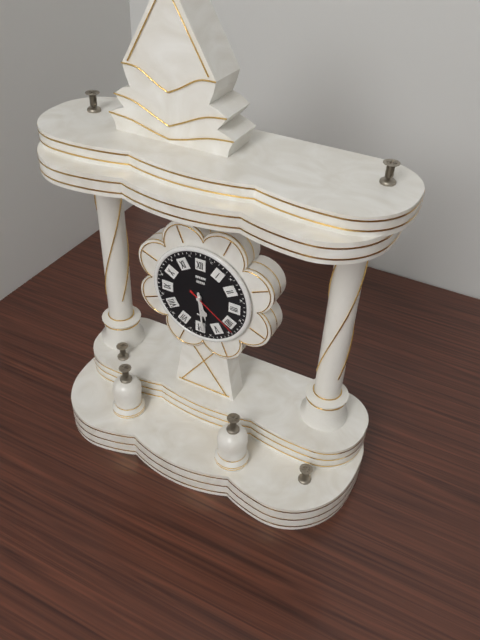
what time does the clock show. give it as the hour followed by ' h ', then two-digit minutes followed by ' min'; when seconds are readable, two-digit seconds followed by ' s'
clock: 5 h 29 min 21 s
